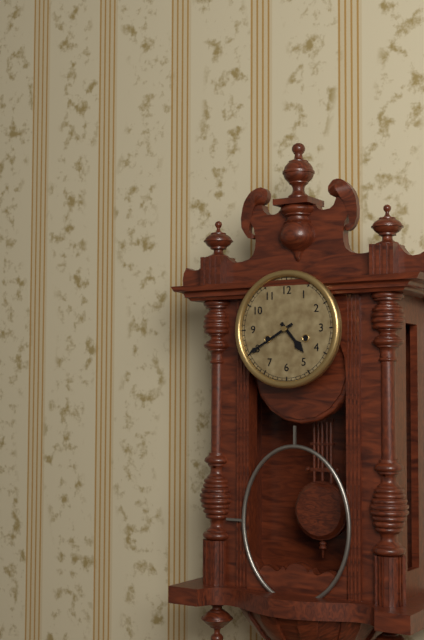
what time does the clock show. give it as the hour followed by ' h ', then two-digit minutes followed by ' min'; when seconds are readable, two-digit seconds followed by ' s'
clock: 4 h 40 min
